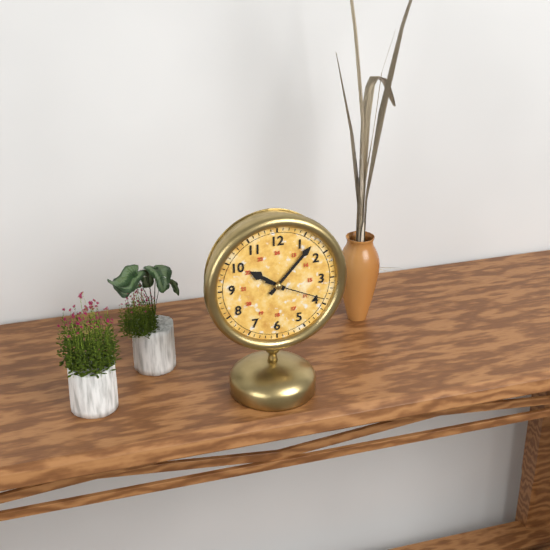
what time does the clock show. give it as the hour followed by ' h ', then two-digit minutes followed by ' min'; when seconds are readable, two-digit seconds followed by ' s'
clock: 10 h 07 min 19 s
